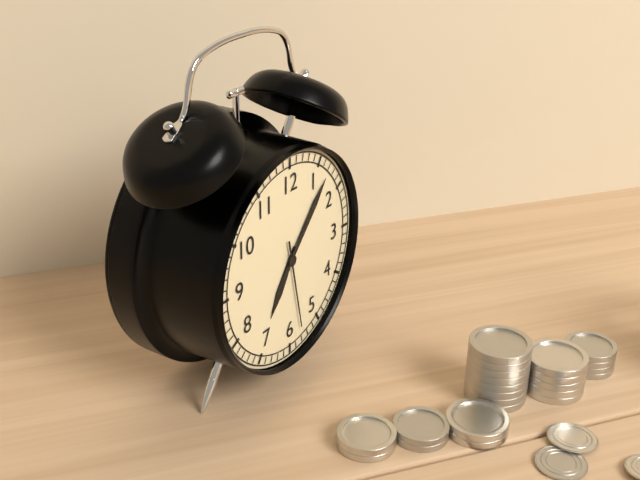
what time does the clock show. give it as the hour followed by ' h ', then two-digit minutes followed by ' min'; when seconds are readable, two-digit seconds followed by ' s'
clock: 7 h 07 min 28 s
